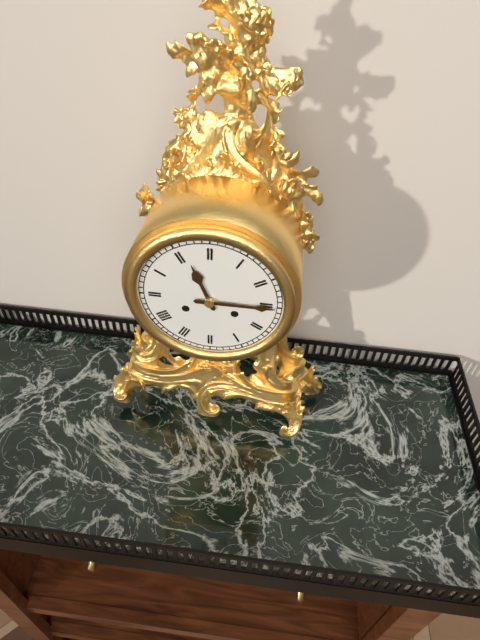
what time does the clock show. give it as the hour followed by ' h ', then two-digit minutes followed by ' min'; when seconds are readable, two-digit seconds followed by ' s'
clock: 11 h 15 min
